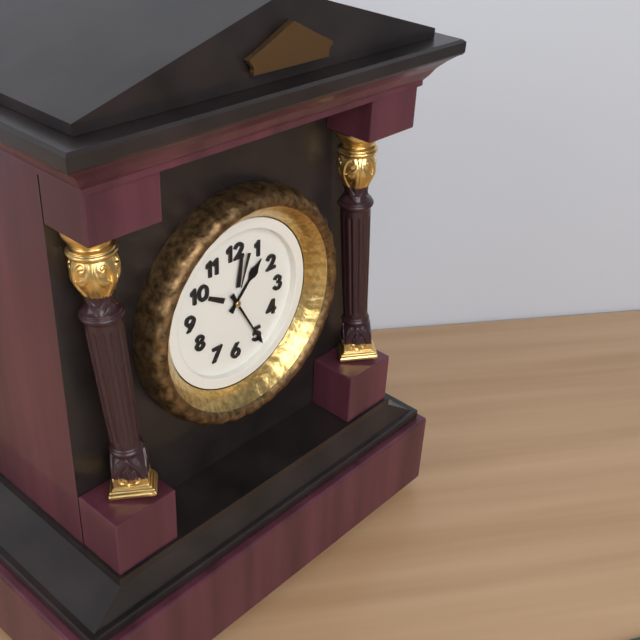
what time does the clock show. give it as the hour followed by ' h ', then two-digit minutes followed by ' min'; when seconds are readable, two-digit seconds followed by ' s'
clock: 1 h 25 min
